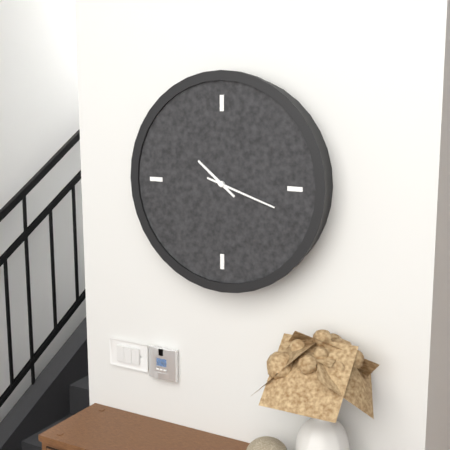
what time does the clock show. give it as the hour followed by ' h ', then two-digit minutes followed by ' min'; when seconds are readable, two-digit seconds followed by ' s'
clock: 10 h 18 min
